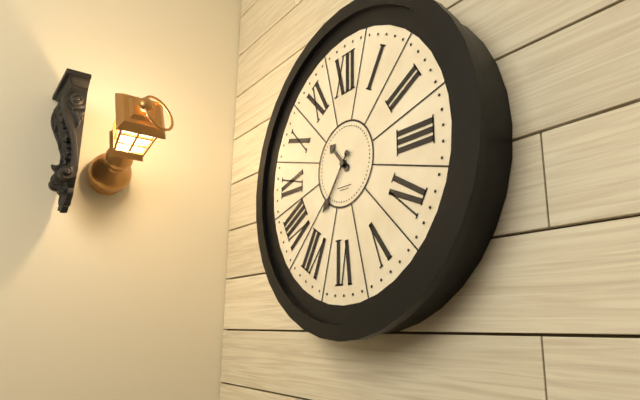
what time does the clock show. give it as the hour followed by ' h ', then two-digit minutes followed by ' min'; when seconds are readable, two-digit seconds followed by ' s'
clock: 10 h 36 min
